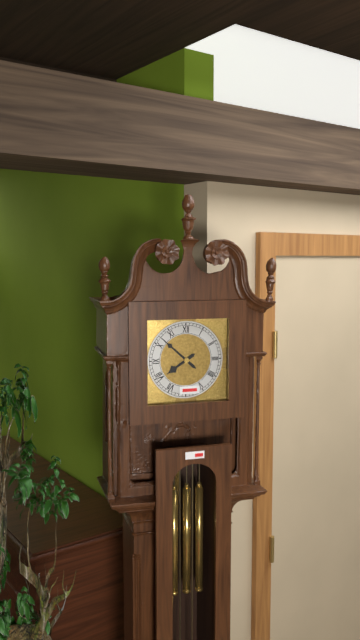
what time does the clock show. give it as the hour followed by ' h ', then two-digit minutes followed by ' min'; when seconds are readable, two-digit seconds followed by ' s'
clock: 7 h 52 min
